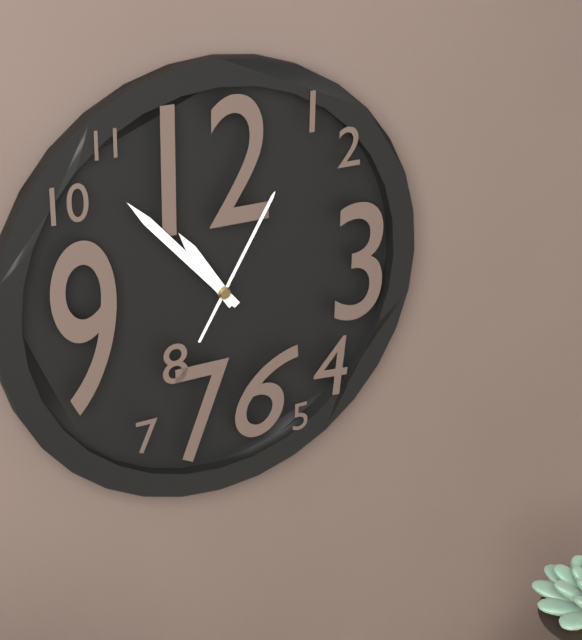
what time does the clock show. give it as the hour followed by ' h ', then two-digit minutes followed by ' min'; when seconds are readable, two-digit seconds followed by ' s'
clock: 10 h 53 min 05 s
